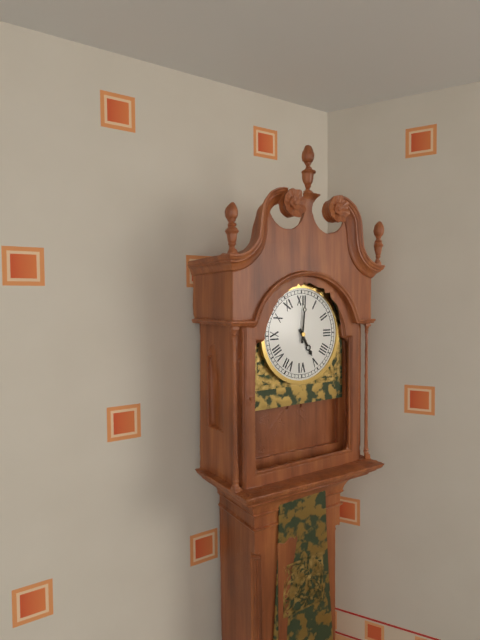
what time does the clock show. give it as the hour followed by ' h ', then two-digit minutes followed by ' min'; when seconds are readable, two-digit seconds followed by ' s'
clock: 5 h 01 min
